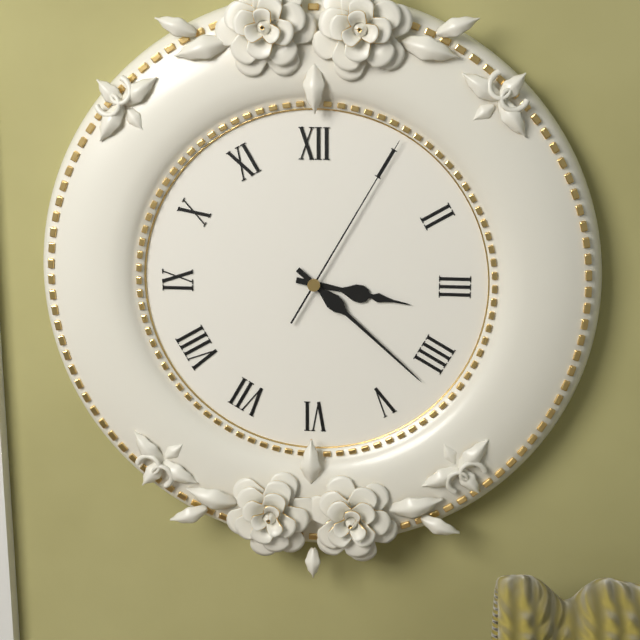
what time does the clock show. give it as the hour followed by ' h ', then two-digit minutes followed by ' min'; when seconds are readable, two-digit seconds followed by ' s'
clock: 3 h 22 min 05 s
